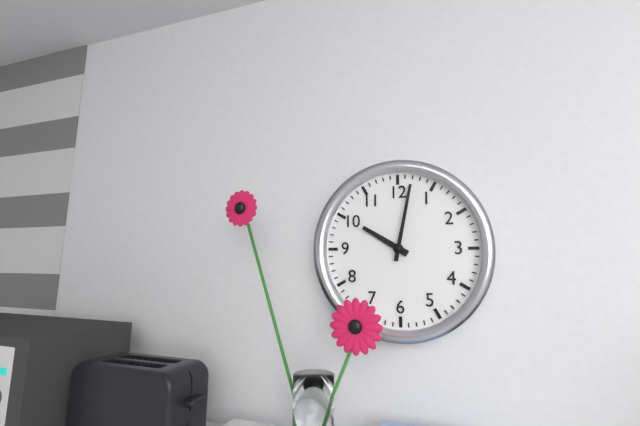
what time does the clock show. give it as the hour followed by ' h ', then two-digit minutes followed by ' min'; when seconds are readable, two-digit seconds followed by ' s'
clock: 10 h 02 min
